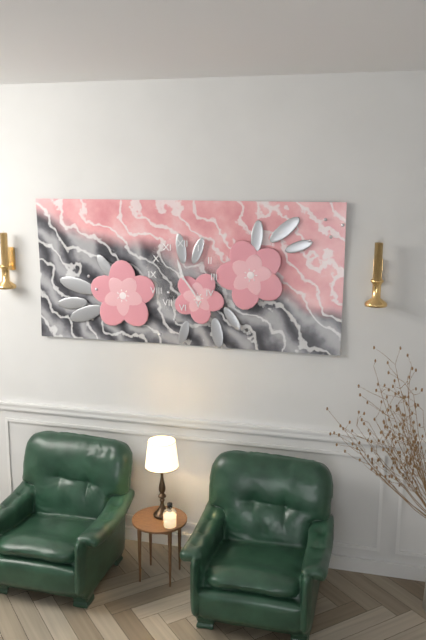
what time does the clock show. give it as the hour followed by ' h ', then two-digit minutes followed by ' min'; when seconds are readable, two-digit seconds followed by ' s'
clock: 11 h 24 min
